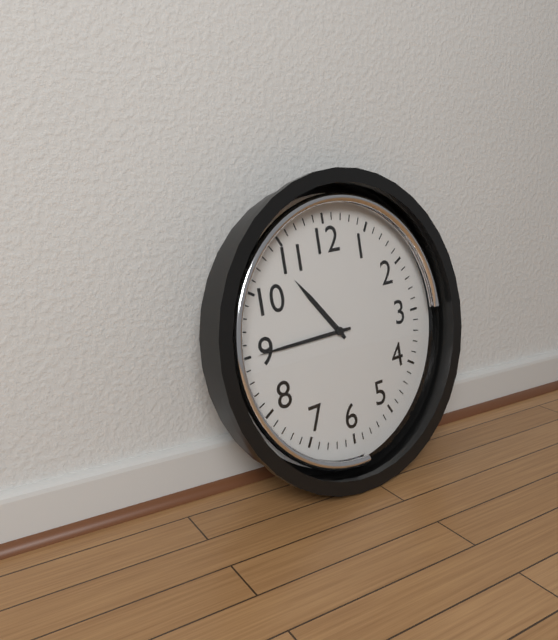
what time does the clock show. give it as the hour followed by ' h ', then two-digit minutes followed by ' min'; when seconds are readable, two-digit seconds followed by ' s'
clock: 10 h 45 min
